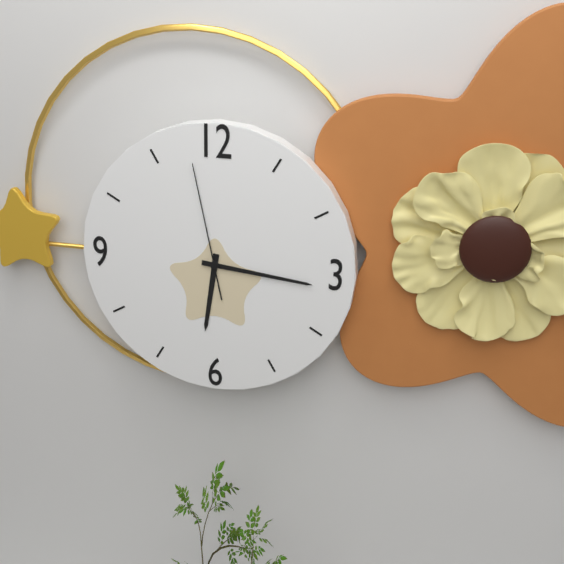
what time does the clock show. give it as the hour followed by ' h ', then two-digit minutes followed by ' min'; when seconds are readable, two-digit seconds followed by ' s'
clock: 6 h 16 min 58 s
